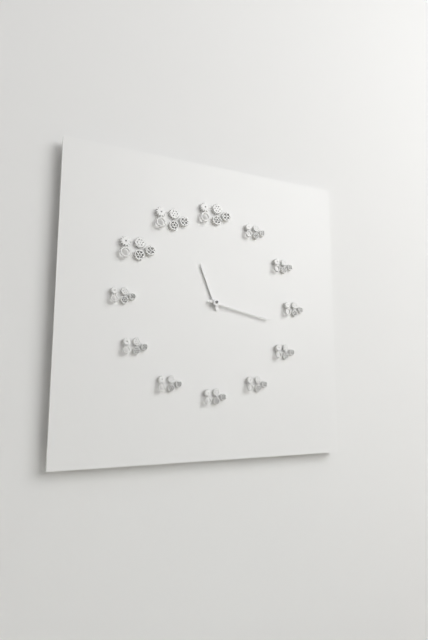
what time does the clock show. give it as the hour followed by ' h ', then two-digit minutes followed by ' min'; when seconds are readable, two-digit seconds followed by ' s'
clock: 11 h 17 min
